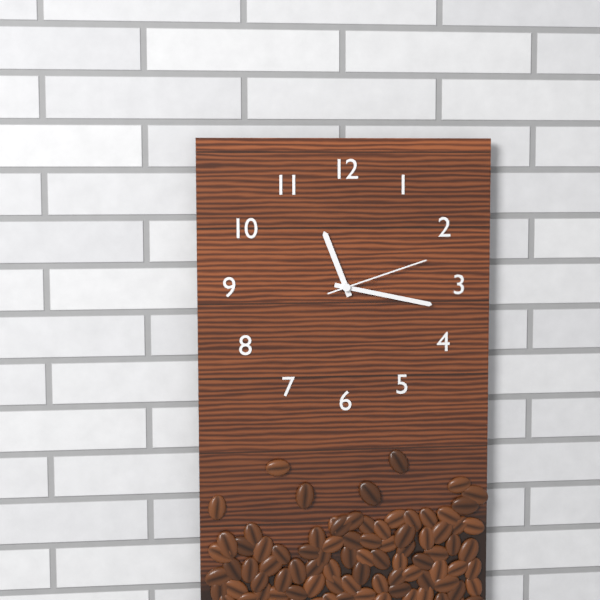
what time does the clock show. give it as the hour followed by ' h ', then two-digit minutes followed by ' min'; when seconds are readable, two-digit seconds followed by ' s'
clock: 11 h 17 min 12 s
